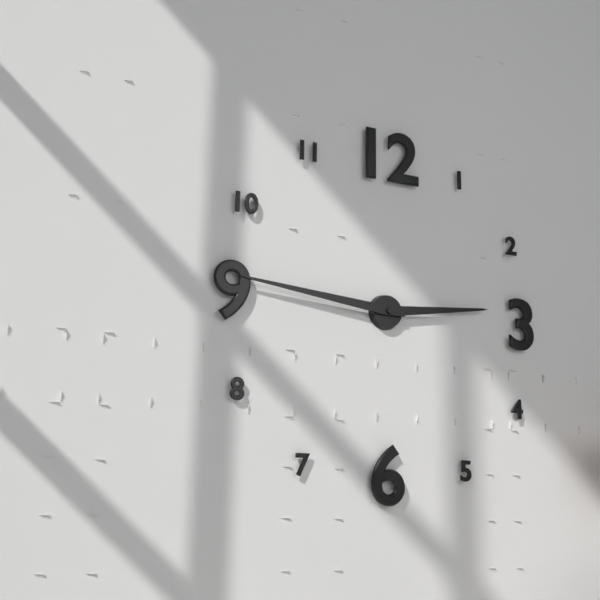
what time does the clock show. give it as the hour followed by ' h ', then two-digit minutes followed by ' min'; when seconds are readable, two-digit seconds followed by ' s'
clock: 2 h 46 min
